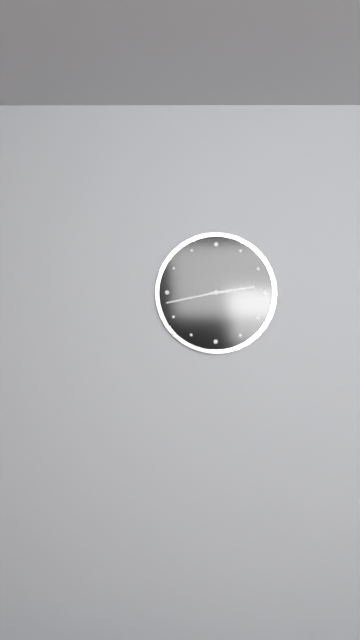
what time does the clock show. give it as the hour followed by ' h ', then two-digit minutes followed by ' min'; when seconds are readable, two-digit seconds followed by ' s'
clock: 2 h 43 min
